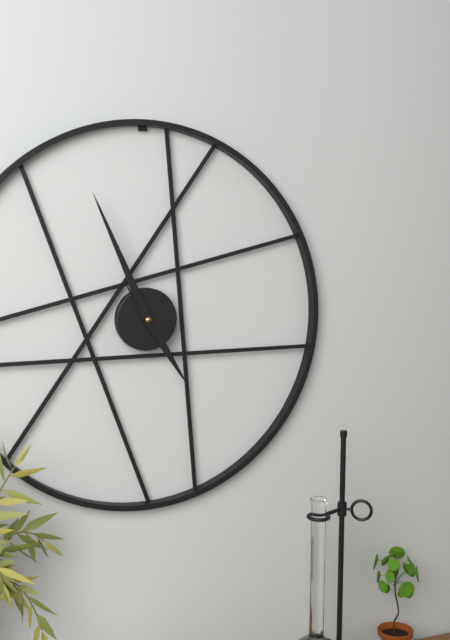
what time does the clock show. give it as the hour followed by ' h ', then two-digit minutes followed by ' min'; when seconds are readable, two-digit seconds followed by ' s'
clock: 4 h 56 min
